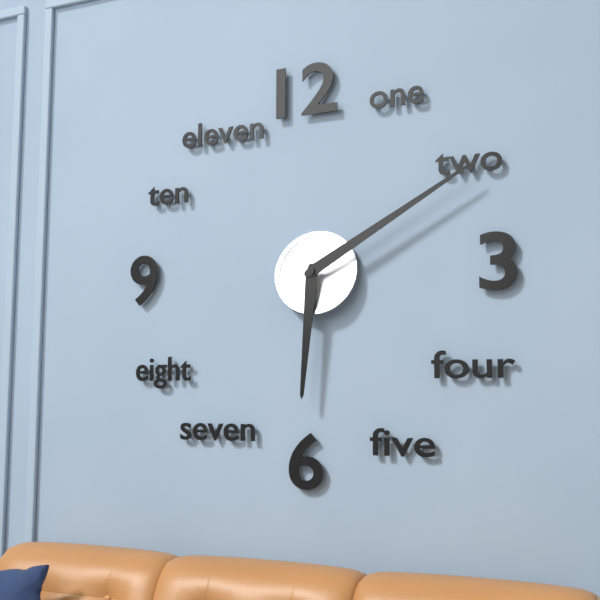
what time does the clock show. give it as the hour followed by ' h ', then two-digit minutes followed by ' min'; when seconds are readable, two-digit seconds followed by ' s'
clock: 6 h 10 min
